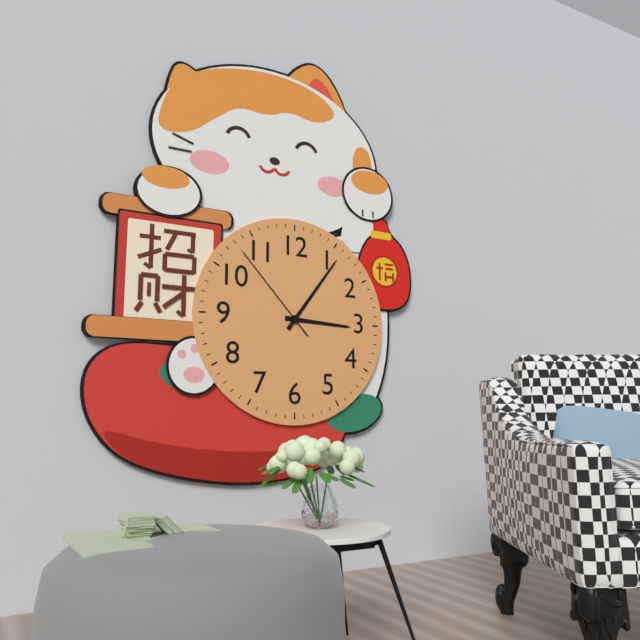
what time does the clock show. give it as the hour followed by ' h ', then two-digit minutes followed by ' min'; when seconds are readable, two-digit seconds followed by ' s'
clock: 3 h 06 min 53 s
